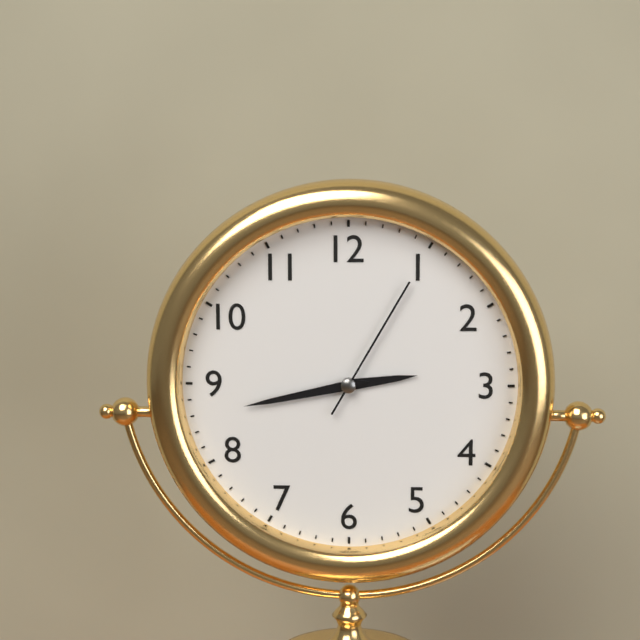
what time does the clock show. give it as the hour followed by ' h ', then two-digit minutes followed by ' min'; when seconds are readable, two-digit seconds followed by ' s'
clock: 2 h 43 min 05 s
